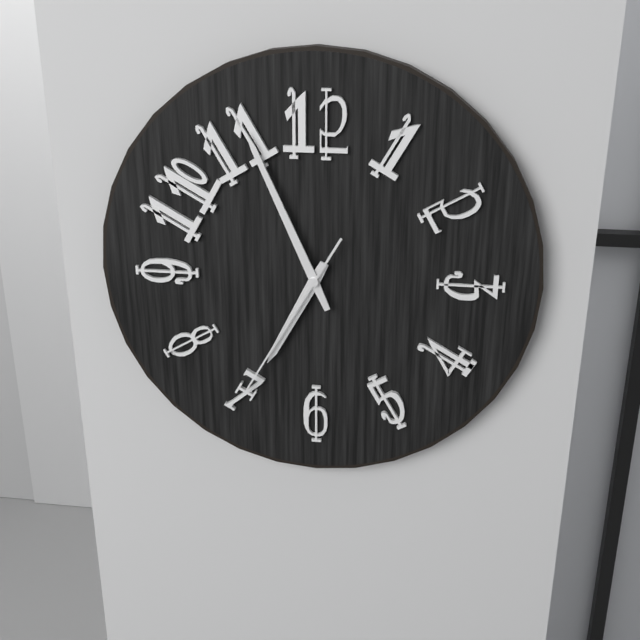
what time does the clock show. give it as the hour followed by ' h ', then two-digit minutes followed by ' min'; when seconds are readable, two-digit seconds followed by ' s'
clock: 6 h 56 min 35 s
